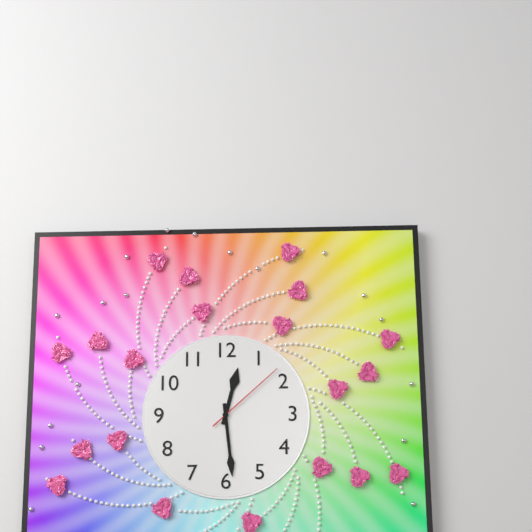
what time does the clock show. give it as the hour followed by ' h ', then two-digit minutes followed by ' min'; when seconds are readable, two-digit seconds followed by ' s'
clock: 12 h 29 min 08 s
